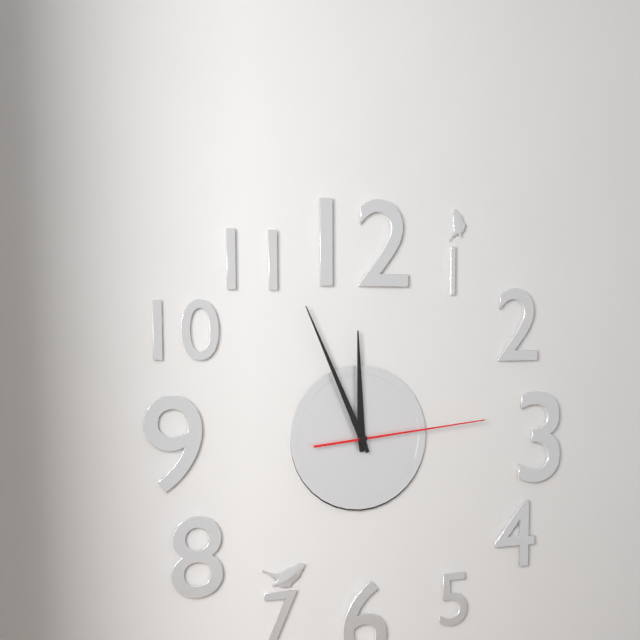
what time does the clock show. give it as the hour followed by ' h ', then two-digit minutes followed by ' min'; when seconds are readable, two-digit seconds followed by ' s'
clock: 11 h 56 min 14 s
